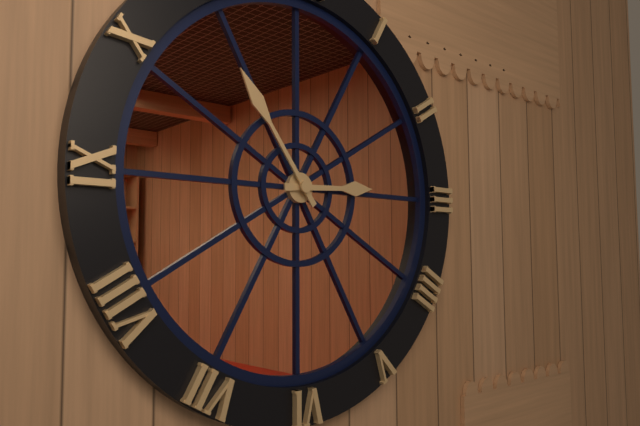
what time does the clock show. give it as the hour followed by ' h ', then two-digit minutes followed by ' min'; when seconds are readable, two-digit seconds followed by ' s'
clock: 2 h 54 min
